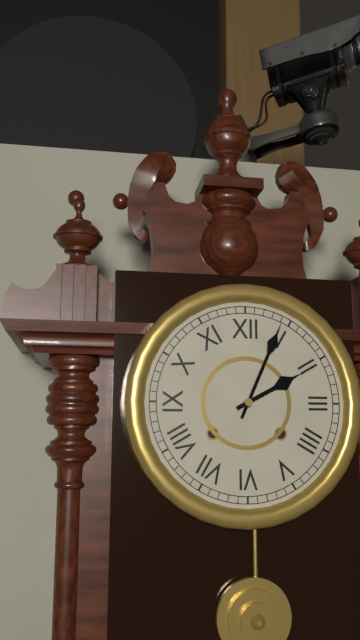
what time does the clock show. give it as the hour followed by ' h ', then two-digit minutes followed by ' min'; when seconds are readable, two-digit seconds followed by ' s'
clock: 2 h 04 min
